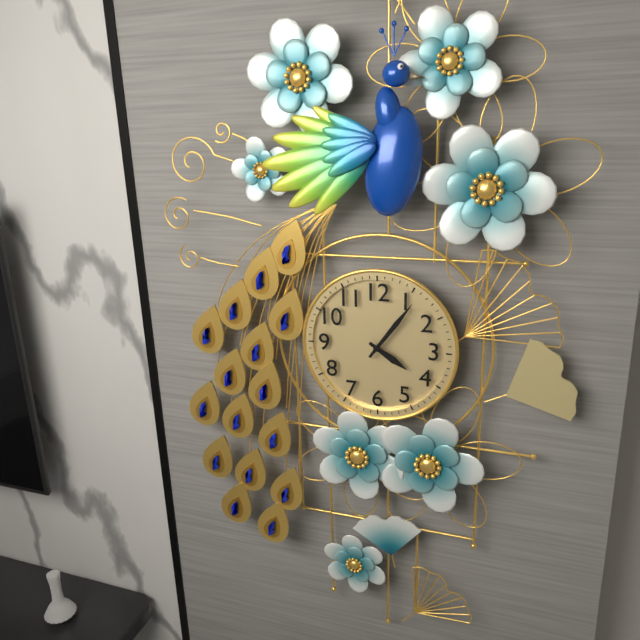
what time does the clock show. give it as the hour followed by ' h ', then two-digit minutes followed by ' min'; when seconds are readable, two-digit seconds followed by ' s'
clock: 4 h 06 min
